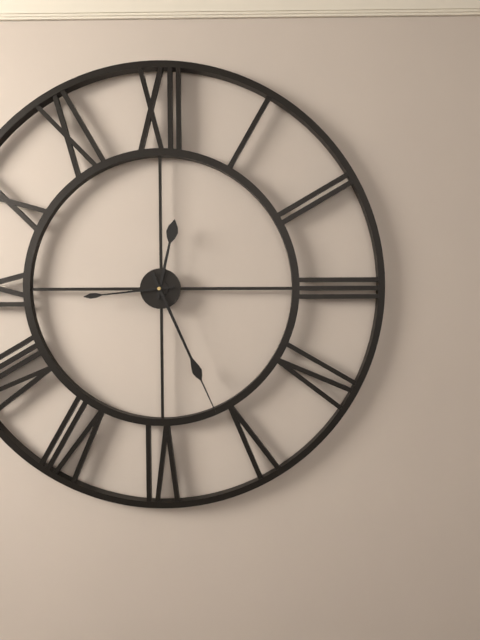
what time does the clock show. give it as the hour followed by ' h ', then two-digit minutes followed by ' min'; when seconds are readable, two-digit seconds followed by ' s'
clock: 12 h 26 min 44 s
